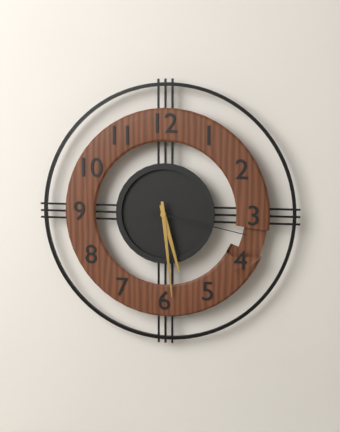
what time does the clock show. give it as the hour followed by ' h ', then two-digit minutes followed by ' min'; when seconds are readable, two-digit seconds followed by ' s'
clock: 5 h 29 min 17 s
